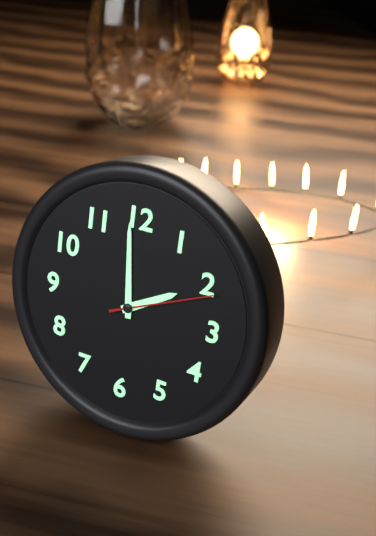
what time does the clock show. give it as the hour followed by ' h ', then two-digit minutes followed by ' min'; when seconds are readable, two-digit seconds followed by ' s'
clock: 1 h 59 min 11 s
